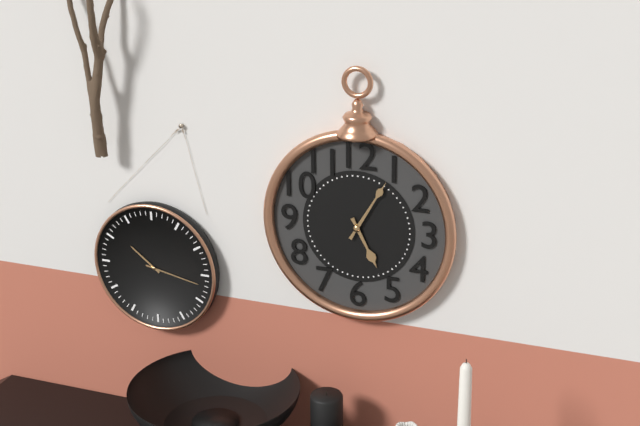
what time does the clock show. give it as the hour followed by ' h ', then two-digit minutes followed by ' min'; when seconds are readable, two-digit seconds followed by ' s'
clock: 5 h 05 min
